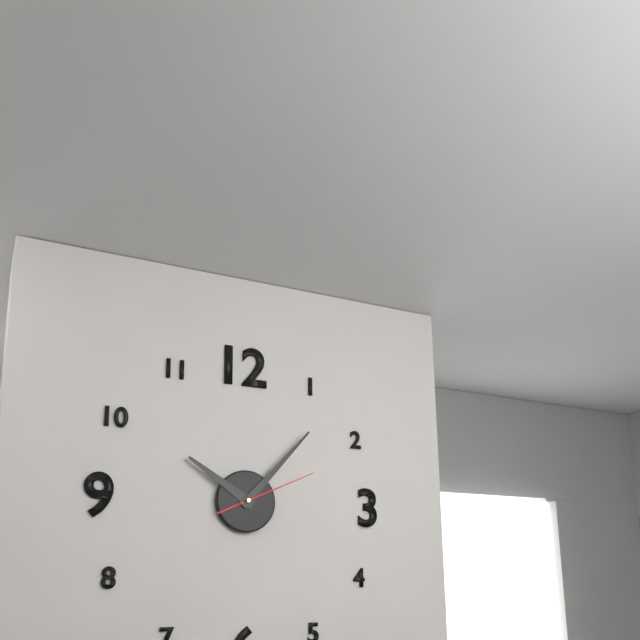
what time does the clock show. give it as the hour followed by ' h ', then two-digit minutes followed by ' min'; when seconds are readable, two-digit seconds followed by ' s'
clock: 10 h 07 min 11 s
